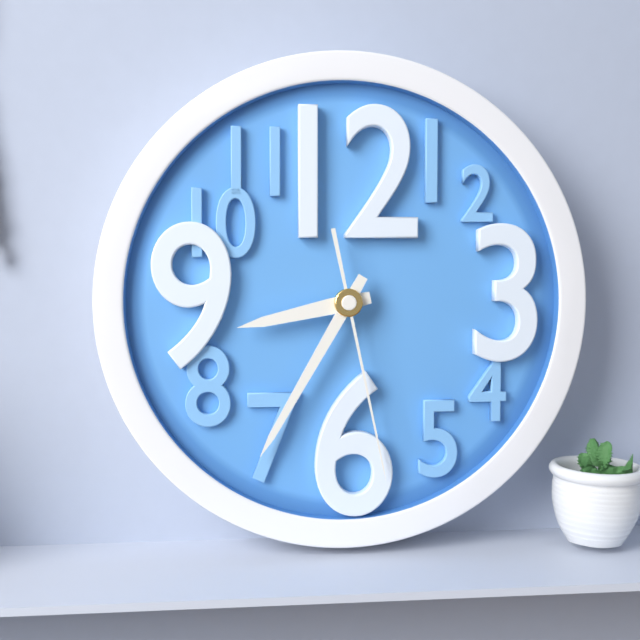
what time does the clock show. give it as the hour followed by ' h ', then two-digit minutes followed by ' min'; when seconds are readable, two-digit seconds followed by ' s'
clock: 8 h 35 min 28 s
